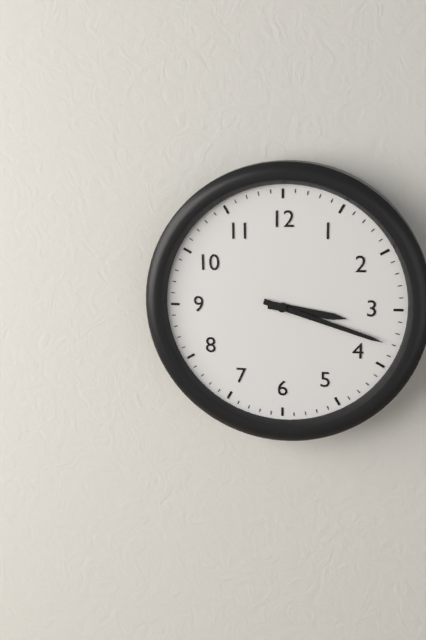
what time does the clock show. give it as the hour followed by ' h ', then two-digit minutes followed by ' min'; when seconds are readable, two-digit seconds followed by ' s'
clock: 3 h 18 min
